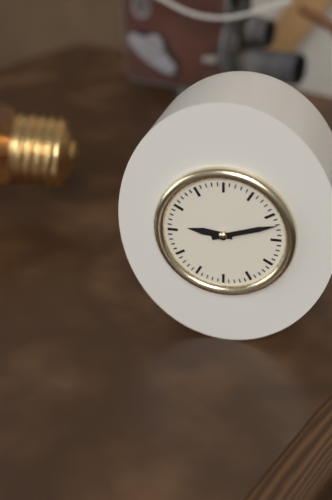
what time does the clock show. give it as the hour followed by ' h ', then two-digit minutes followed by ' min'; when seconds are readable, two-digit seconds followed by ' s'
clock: 9 h 12 min
